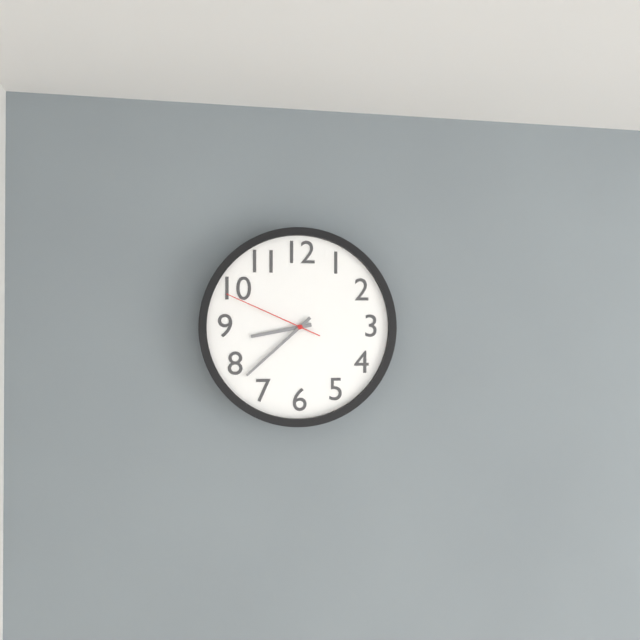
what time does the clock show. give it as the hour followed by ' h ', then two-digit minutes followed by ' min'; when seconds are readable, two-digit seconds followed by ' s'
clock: 8 h 38 min 49 s
